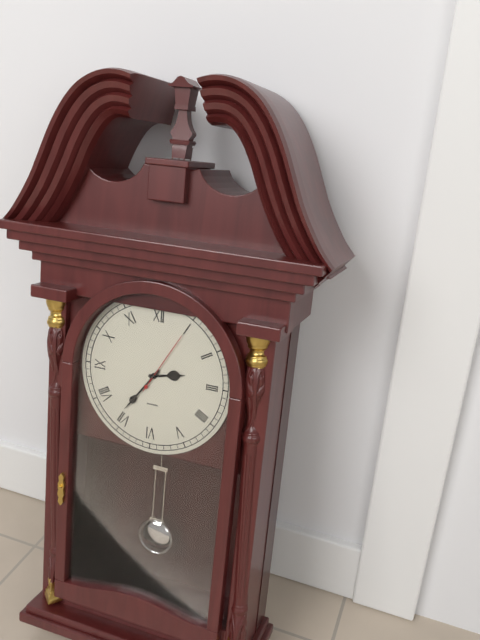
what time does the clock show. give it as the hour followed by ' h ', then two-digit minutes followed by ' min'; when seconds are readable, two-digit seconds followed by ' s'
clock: 2 h 36 min 05 s
